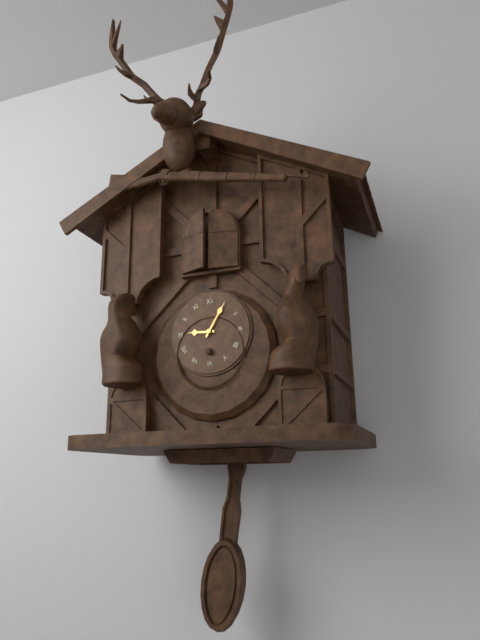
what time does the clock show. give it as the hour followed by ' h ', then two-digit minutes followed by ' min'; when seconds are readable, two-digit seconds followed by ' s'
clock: 9 h 05 min
